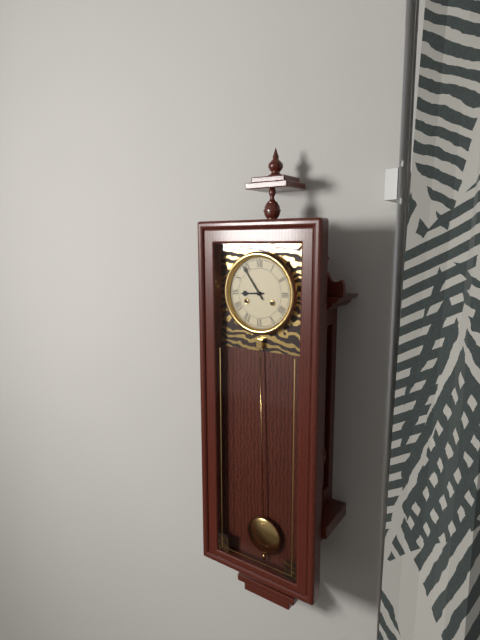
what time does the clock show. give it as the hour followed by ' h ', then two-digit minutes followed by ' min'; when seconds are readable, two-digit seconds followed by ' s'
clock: 8 h 54 min
